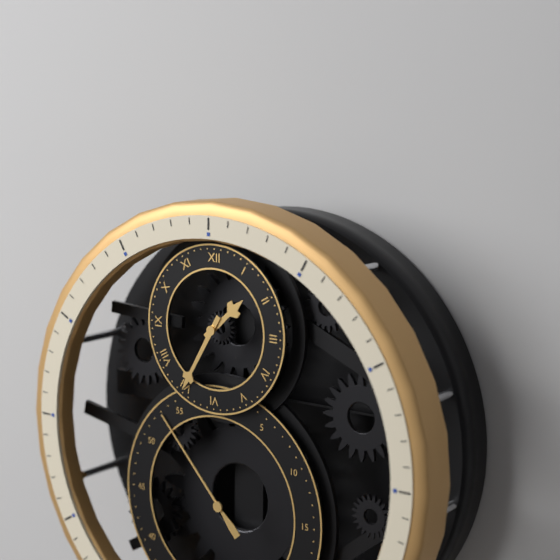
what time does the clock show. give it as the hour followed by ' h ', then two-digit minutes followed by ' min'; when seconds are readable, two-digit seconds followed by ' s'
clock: 1 h 35 min 53 s
